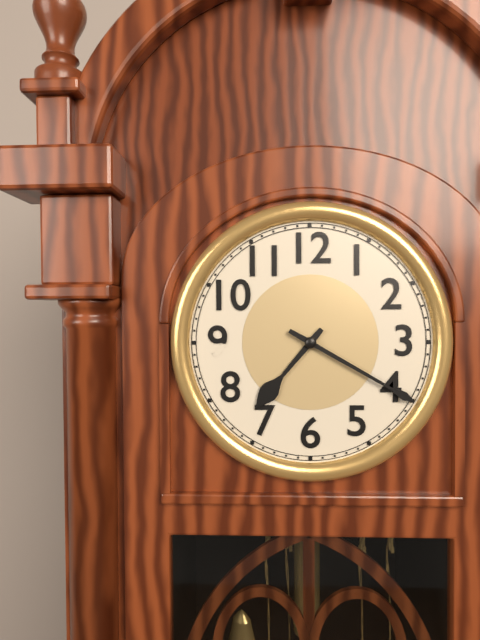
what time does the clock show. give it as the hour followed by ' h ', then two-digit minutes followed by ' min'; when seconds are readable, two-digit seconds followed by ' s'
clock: 7 h 20 min
